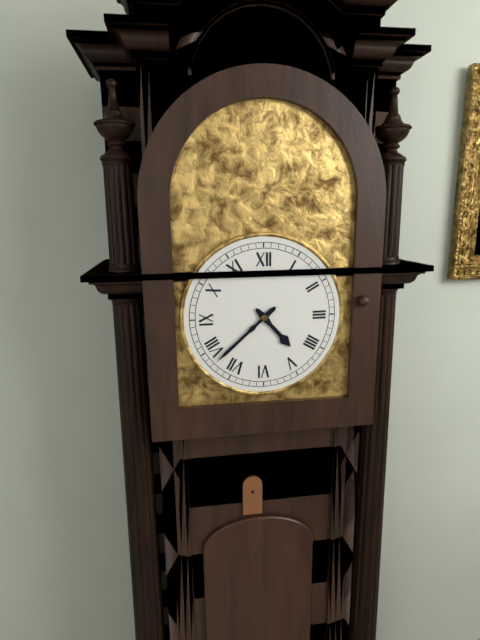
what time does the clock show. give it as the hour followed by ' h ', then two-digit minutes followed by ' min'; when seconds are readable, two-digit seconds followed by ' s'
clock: 4 h 38 min
